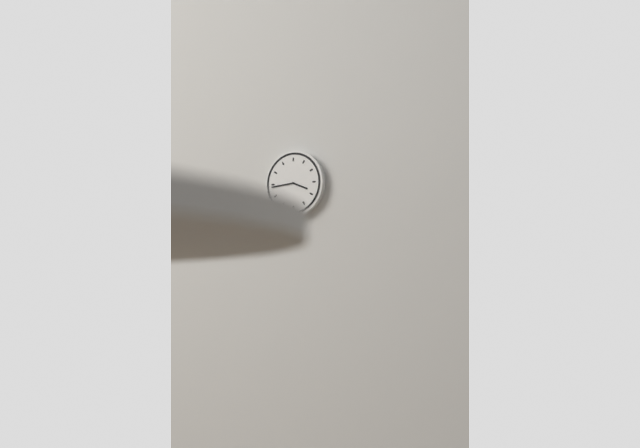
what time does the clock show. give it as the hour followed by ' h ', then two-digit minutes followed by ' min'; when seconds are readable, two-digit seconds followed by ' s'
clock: 3 h 44 min
